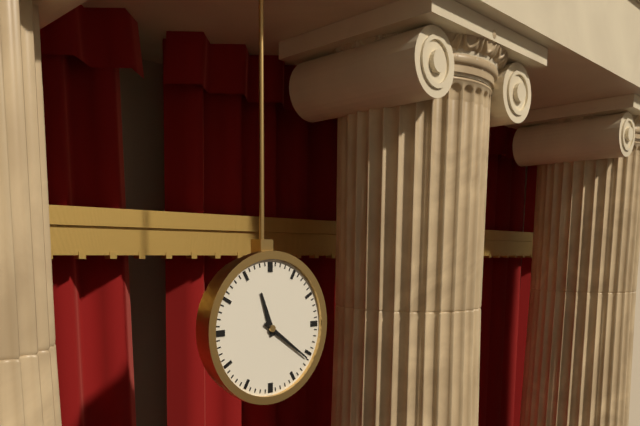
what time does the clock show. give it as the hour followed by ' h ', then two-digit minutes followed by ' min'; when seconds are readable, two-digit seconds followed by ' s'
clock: 11 h 21 min
